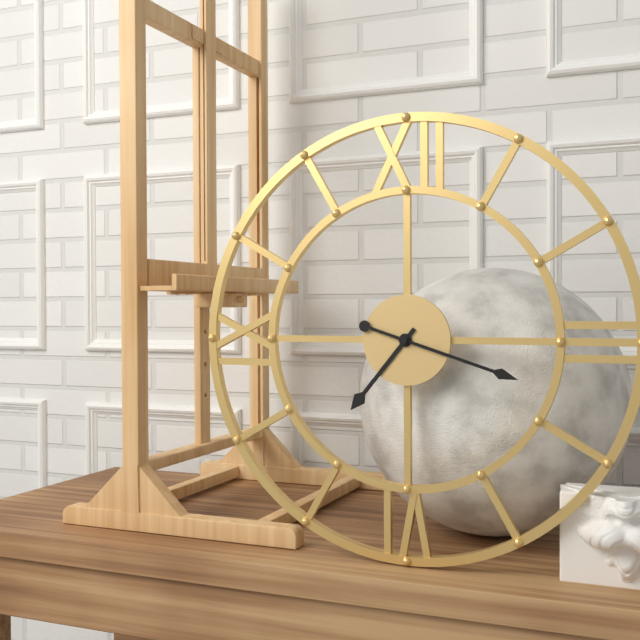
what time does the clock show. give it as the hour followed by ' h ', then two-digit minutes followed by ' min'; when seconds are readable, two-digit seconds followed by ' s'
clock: 7 h 18 min
